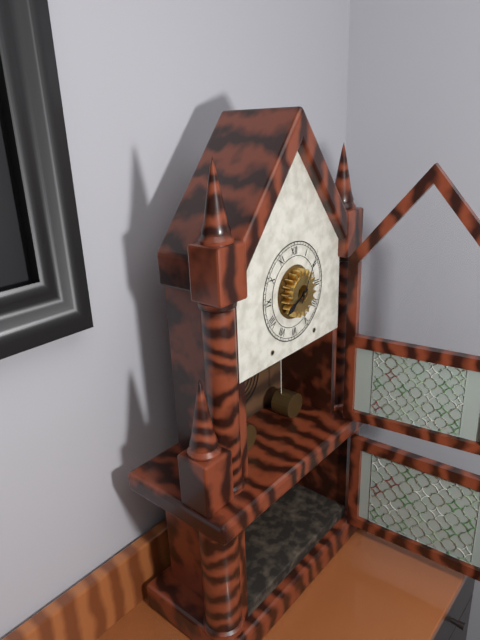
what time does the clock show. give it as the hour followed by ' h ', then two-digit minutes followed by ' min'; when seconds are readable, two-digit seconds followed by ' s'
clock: 8 h 05 min
